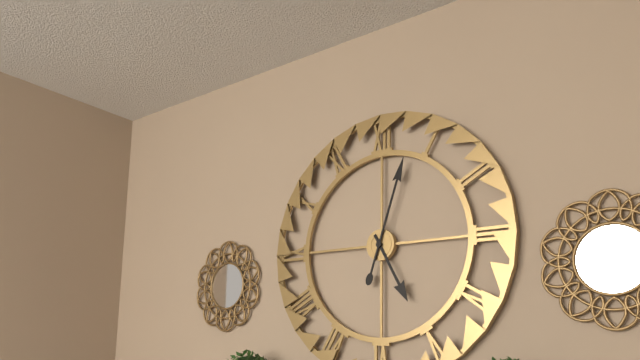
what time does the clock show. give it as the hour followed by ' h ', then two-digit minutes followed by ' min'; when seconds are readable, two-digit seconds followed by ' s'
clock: 5 h 03 min
